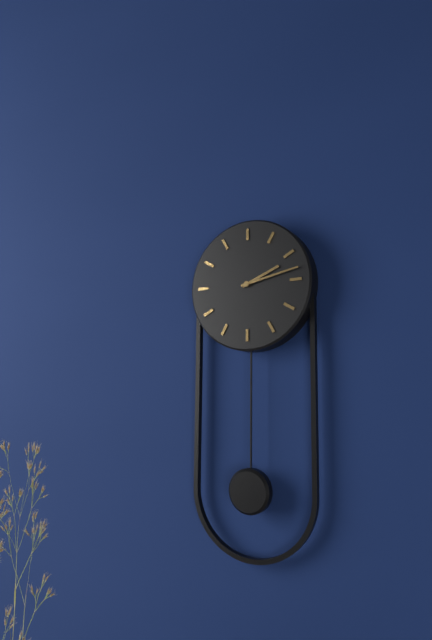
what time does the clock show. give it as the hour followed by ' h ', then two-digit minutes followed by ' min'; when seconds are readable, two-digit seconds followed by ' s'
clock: 2 h 13 min
